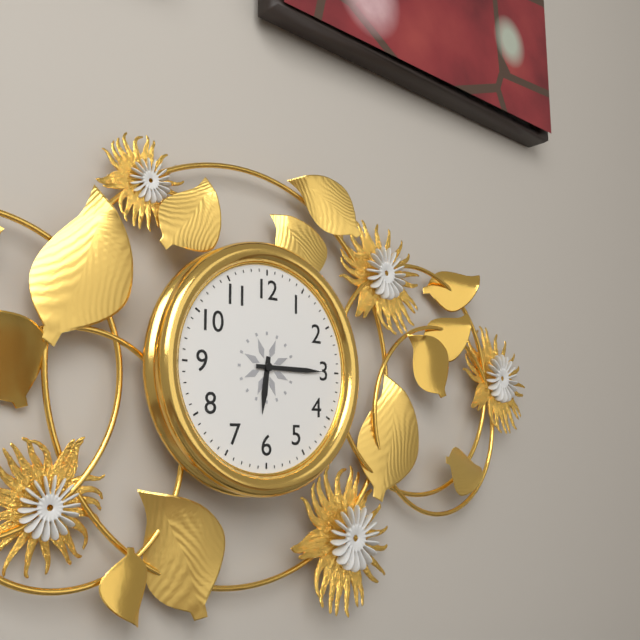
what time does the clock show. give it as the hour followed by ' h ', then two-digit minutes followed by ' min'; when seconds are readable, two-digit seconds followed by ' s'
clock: 6 h 15 min
